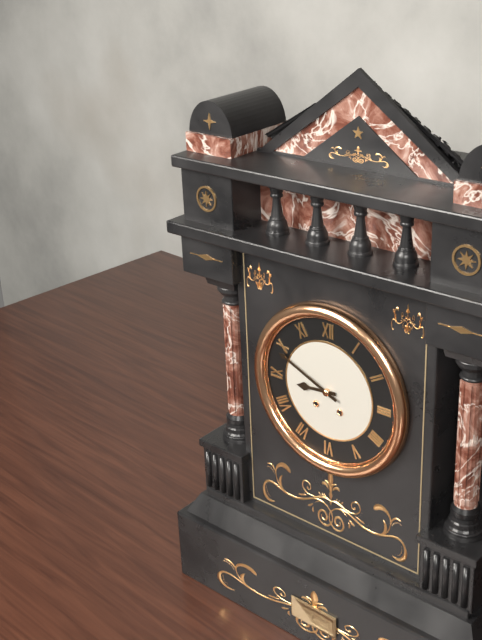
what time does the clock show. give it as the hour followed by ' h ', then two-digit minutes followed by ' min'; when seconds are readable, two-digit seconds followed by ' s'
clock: 8 h 49 min
